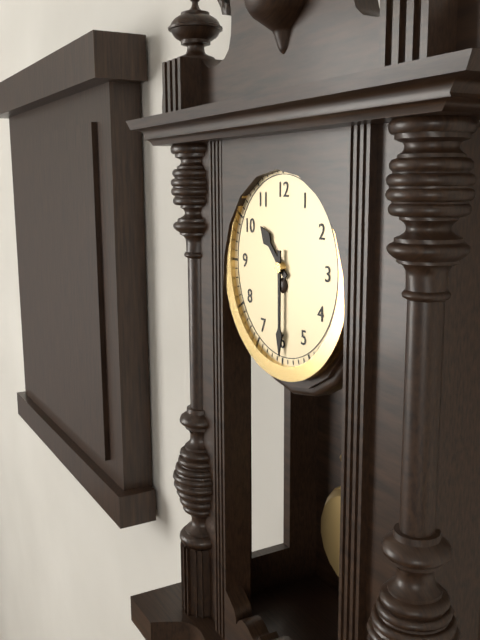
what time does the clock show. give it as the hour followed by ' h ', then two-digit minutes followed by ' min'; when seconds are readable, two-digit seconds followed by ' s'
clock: 10 h 30 min
